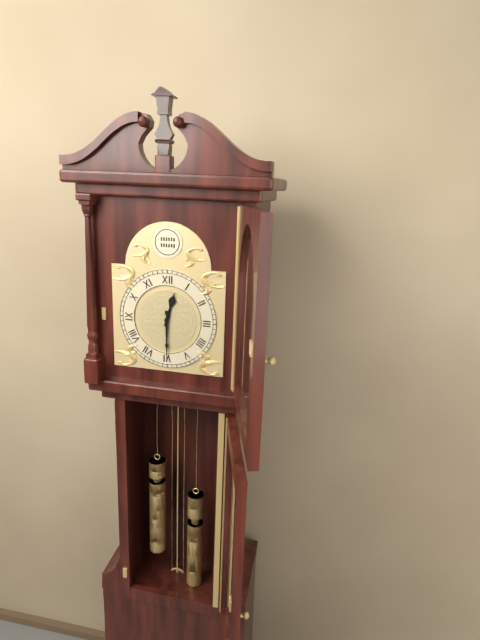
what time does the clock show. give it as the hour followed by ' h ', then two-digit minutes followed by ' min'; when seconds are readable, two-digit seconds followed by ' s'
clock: 12 h 30 min
